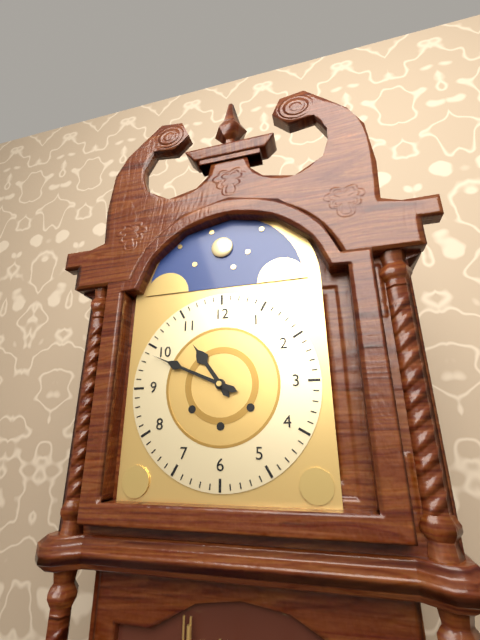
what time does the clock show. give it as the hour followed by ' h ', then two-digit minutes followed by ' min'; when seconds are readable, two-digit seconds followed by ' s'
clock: 10 h 49 min
